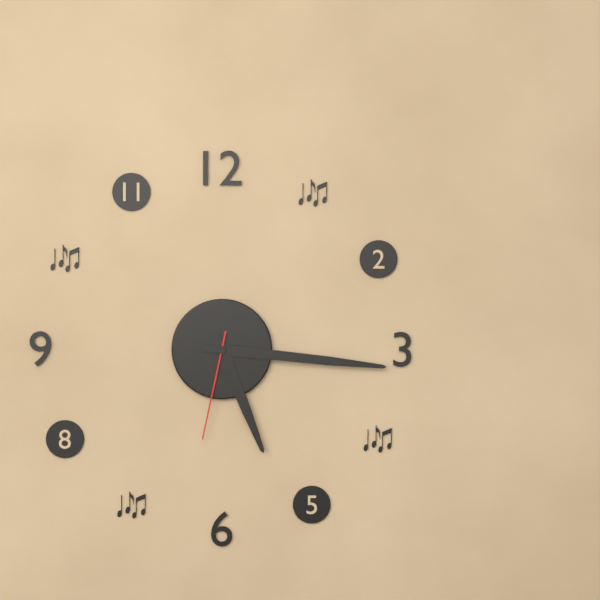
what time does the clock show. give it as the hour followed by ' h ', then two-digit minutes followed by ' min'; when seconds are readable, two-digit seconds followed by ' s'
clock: 5 h 16 min 32 s
